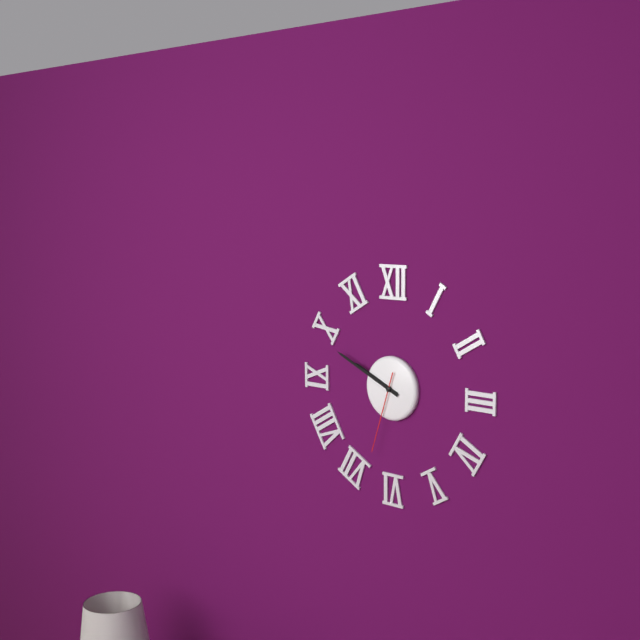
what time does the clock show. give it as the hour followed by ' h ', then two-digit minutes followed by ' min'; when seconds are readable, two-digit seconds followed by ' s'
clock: 9 h 49 min 33 s
